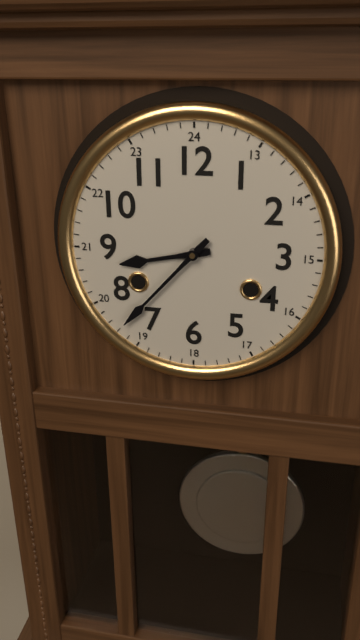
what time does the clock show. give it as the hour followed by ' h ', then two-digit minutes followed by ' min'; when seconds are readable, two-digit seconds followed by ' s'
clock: 8 h 37 min
